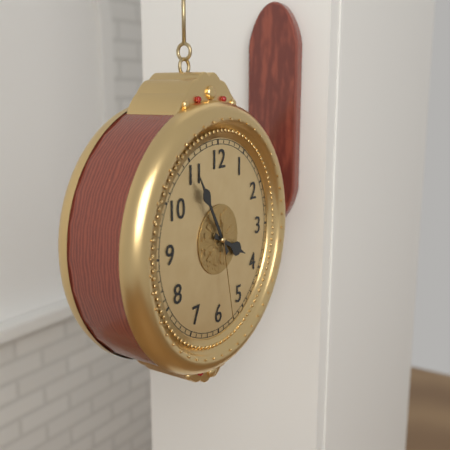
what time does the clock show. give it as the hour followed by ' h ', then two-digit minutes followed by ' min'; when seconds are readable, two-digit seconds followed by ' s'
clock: 3 h 55 min 28 s
